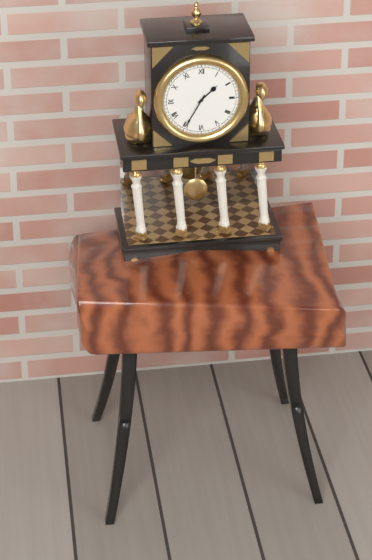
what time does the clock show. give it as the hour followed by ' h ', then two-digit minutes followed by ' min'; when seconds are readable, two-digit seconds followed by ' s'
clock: 1 h 35 min
